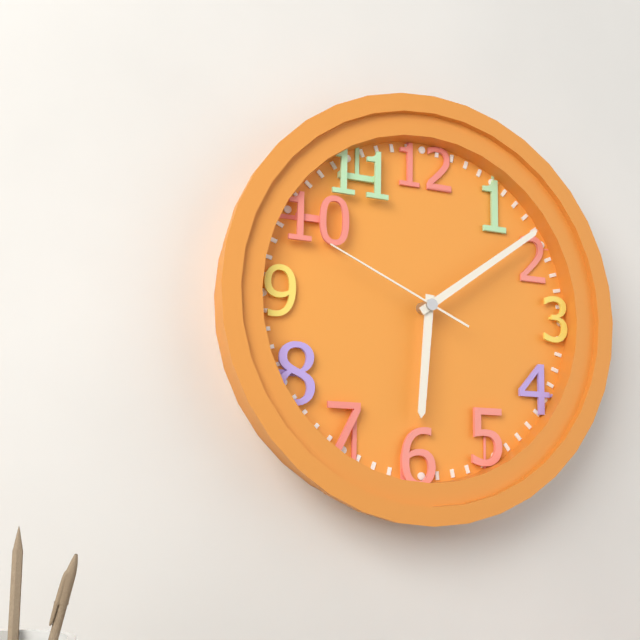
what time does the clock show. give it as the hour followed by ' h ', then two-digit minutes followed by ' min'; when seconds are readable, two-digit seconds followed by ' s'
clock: 6 h 09 min 49 s
